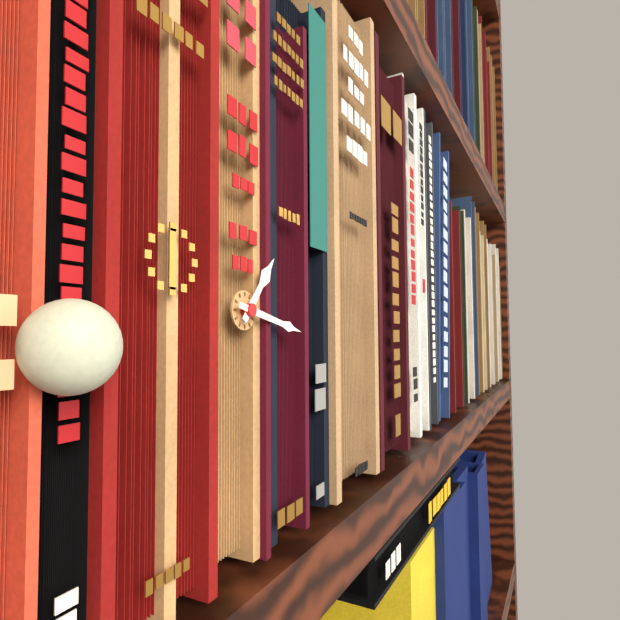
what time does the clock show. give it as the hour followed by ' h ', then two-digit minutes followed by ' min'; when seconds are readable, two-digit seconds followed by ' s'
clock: 1 h 17 min
